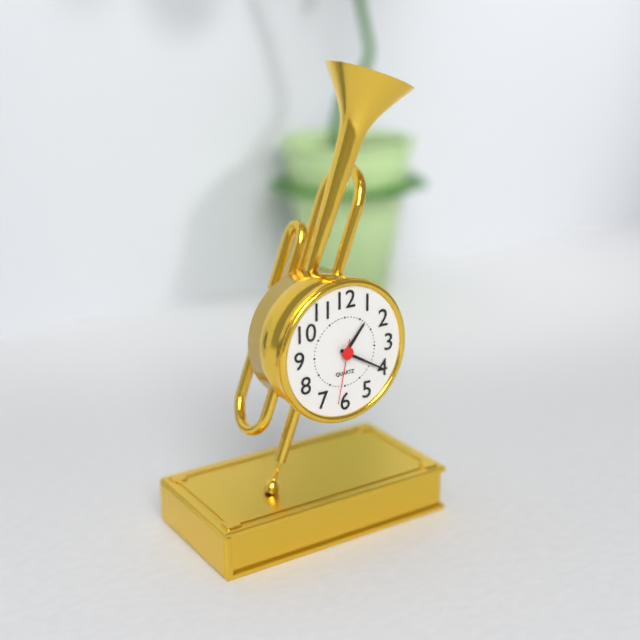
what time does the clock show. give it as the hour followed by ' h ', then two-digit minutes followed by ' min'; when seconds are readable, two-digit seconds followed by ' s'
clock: 1 h 20 min 32 s
